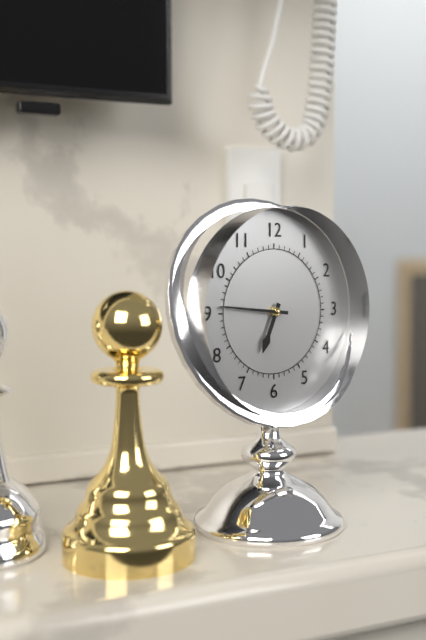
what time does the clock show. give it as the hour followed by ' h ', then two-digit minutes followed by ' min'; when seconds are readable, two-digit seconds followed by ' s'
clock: 6 h 46 min
